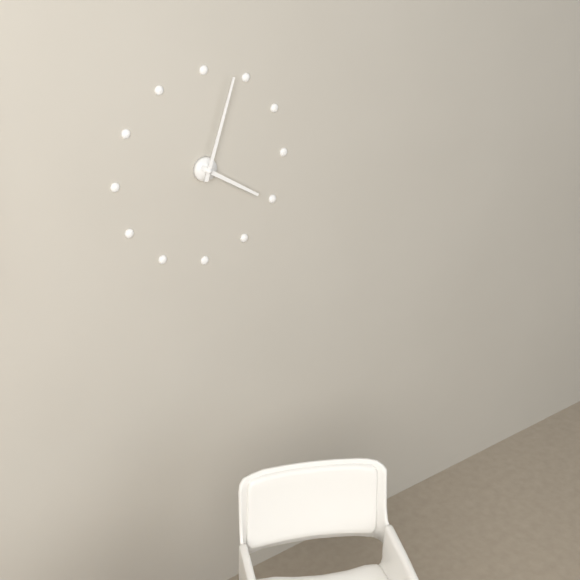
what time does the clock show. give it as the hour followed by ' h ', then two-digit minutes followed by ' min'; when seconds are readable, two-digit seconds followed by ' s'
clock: 4 h 03 min
